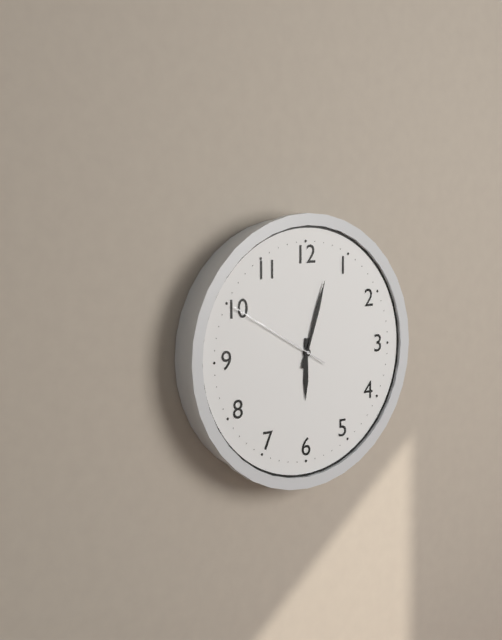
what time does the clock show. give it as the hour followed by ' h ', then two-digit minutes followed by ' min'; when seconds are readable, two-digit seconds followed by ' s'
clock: 6 h 03 min 50 s
